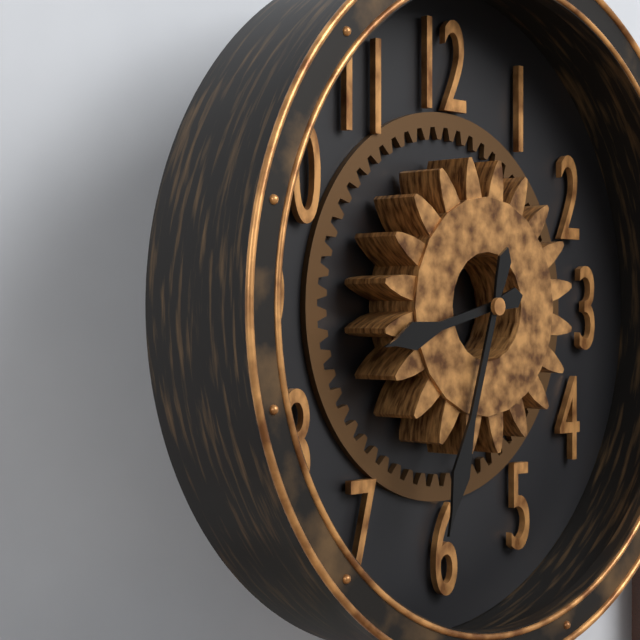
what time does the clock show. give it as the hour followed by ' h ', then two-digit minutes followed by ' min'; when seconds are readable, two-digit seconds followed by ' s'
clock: 8 h 33 min
